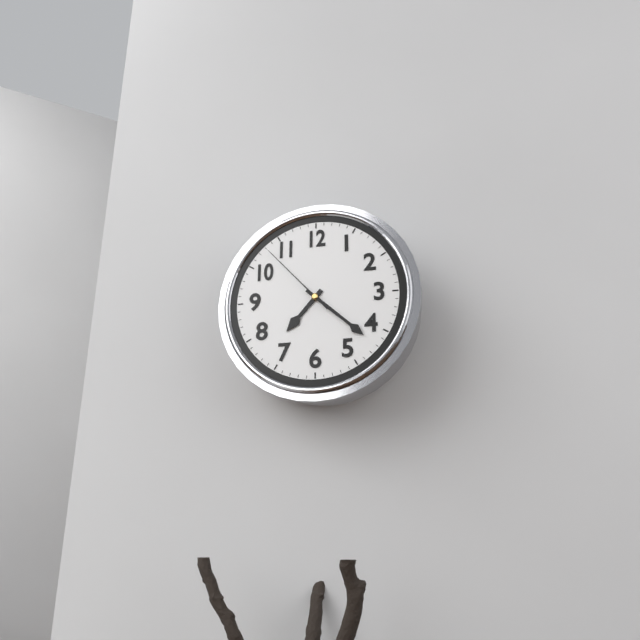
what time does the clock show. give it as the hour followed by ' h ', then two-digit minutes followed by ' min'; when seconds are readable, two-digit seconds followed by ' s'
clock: 7 h 22 min 53 s
